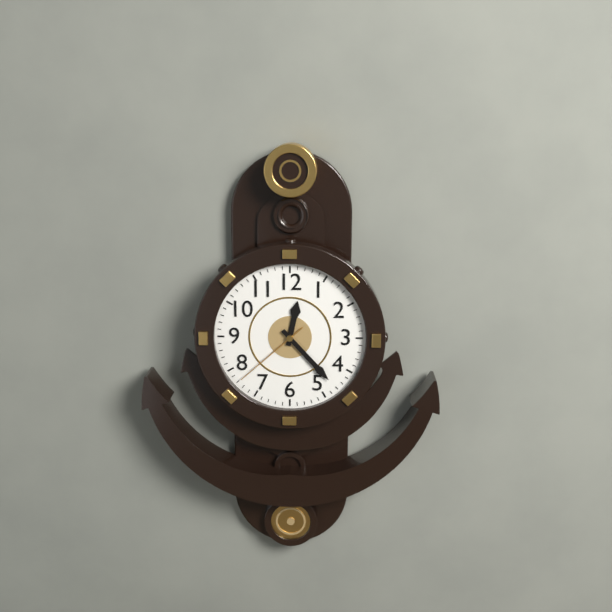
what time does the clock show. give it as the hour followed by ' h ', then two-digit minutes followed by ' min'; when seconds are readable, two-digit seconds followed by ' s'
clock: 12 h 23 min 38 s
